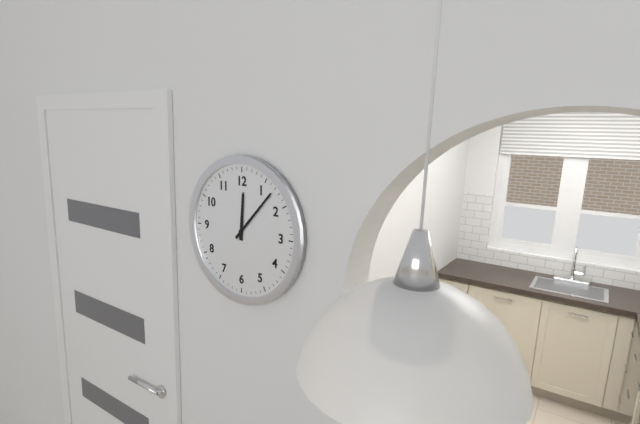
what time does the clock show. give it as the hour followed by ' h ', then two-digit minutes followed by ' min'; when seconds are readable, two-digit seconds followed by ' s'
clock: 12 h 07 min
